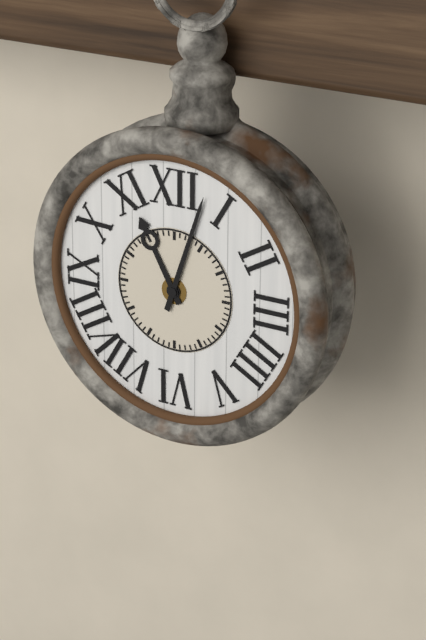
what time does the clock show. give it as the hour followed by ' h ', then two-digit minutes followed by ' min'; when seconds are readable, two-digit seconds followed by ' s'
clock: 11 h 03 min
